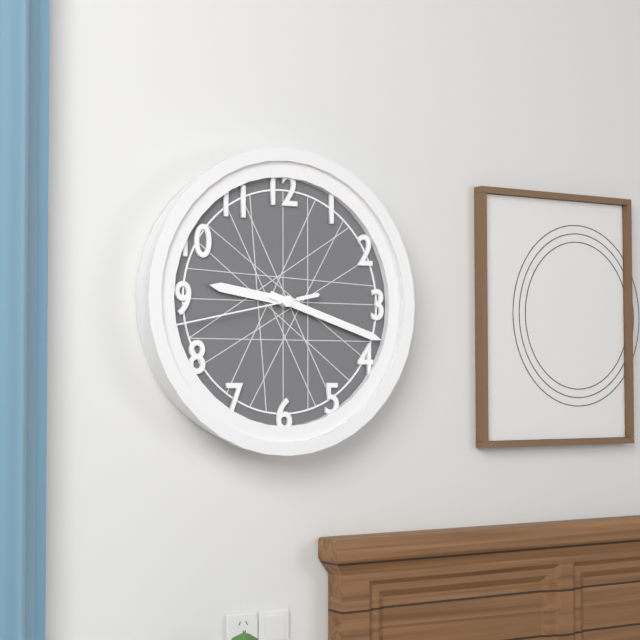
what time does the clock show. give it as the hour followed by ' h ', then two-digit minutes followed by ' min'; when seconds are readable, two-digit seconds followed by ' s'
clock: 9 h 18 min 43 s
